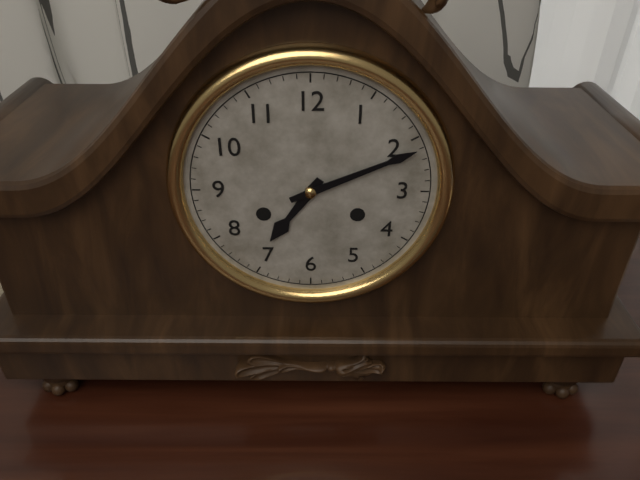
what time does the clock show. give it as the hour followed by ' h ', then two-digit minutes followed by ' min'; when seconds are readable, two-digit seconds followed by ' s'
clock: 7 h 11 min
